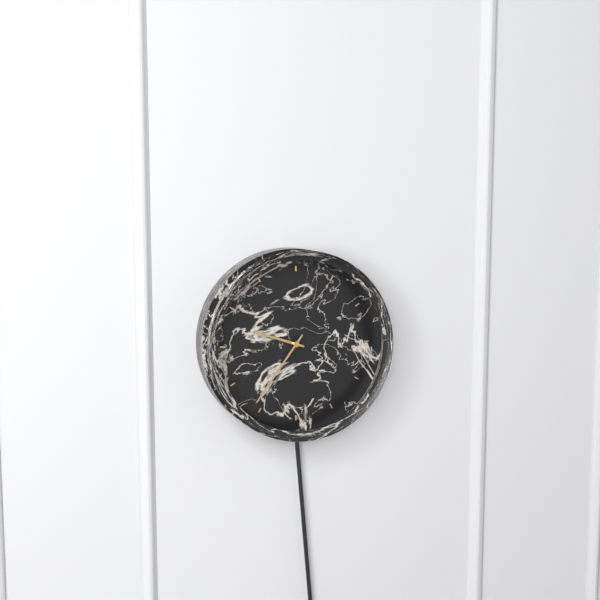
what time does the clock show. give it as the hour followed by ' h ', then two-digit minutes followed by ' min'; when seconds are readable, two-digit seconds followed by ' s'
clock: 9 h 36 min
